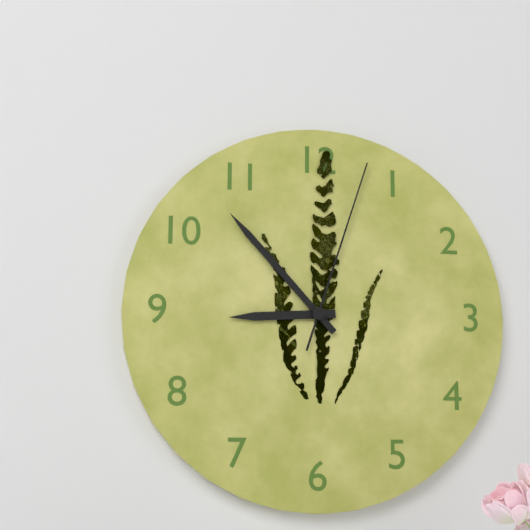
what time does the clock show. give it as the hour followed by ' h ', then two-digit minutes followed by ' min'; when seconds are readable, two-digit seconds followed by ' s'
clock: 8 h 53 min 03 s
